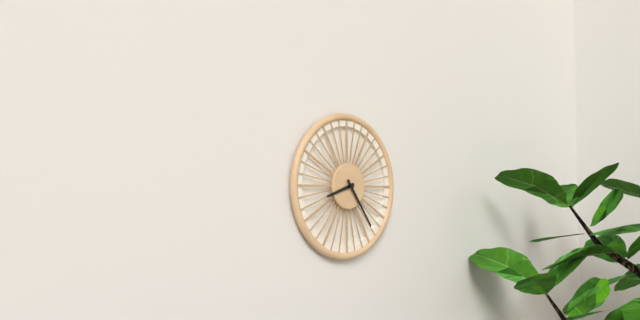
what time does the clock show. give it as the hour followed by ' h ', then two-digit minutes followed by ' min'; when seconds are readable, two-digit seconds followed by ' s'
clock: 8 h 24 min
